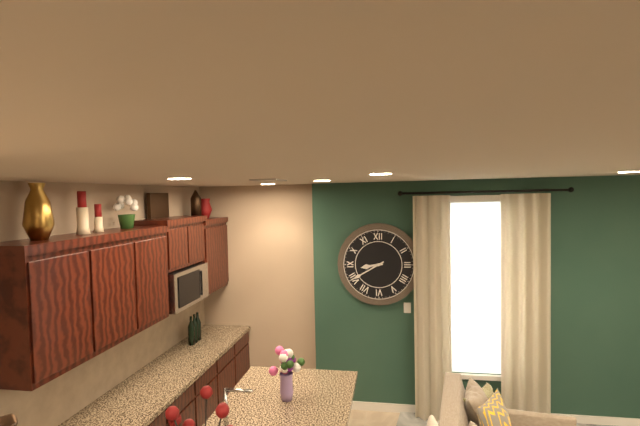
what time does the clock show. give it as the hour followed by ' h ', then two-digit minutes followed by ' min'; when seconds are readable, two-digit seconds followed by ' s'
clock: 8 h 40 min
